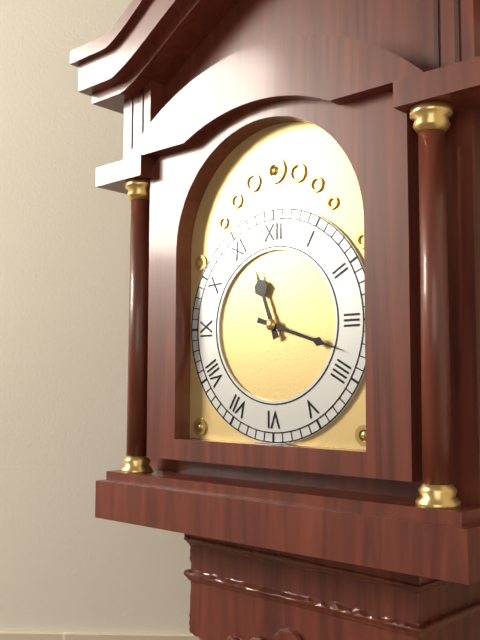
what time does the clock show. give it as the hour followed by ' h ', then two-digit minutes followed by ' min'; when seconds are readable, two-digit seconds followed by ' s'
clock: 11 h 18 min
